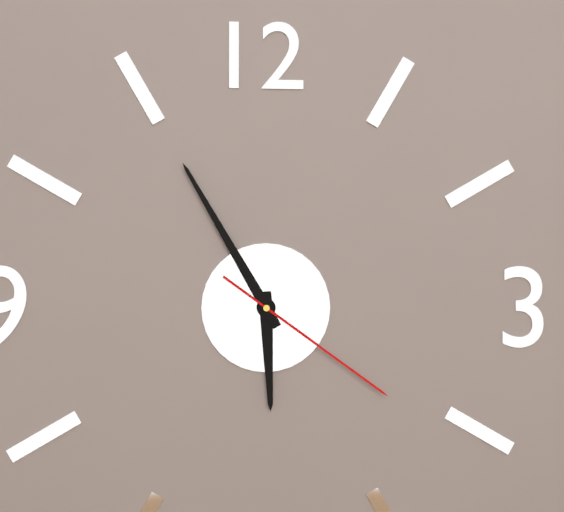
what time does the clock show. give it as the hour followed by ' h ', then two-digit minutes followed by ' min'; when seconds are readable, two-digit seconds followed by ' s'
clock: 5 h 55 min 21 s
